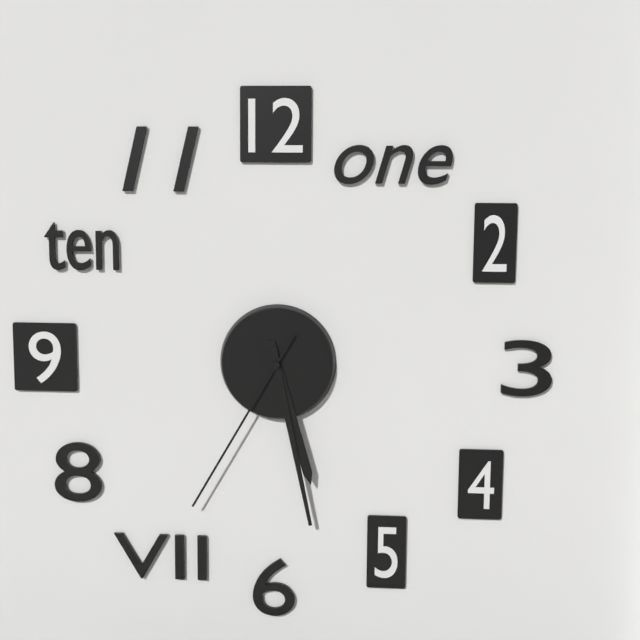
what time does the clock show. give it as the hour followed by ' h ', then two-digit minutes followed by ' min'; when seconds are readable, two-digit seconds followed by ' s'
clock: 5 h 28 min 35 s
